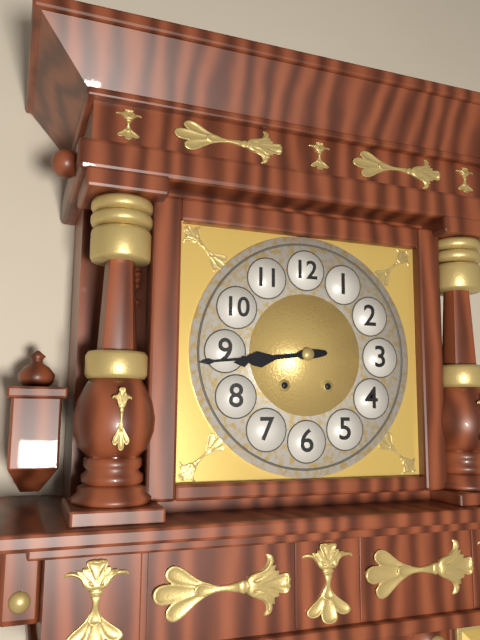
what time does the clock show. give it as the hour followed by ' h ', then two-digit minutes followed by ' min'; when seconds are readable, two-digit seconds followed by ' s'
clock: 8 h 44 min
